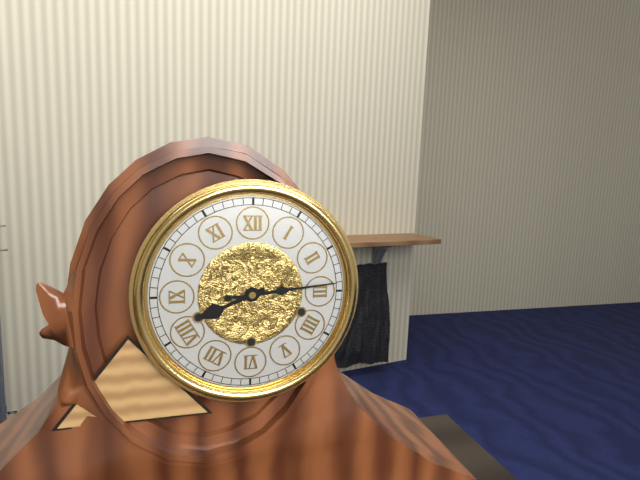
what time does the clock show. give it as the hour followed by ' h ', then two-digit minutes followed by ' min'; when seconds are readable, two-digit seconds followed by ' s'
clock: 8 h 14 min
